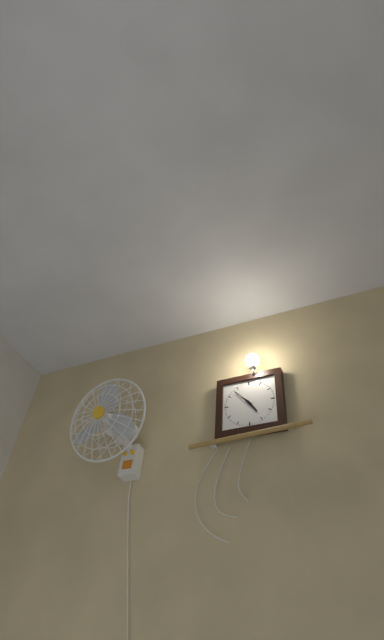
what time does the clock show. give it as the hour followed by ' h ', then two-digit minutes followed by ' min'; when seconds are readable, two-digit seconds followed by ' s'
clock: 4 h 53 min
